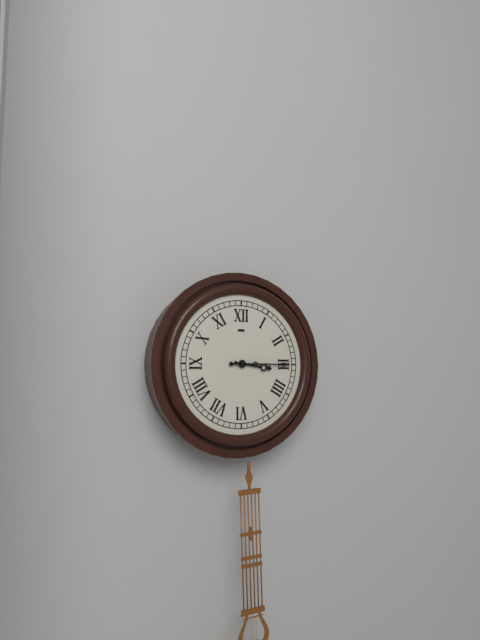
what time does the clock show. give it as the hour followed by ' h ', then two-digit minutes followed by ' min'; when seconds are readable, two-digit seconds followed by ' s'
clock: 3 h 15 min
